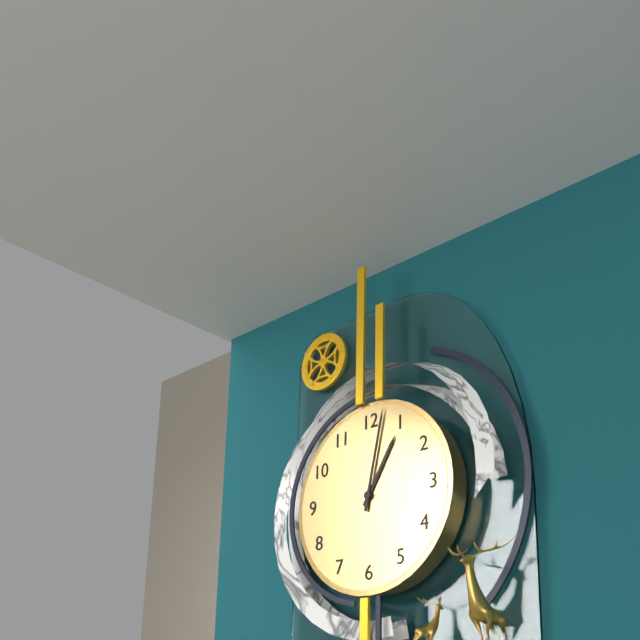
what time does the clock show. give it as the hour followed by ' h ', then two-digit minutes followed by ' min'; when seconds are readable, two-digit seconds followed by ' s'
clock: 1 h 02 min
